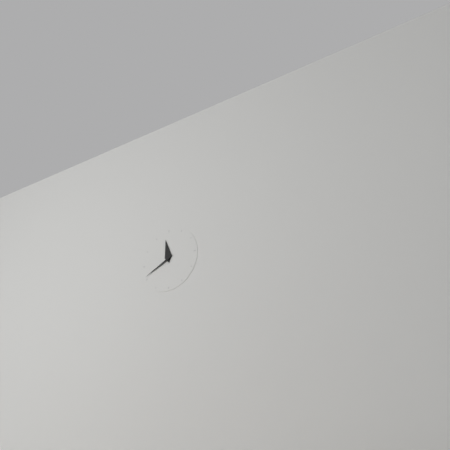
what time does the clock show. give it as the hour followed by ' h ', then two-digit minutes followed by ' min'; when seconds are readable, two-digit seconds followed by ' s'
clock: 11 h 41 min
